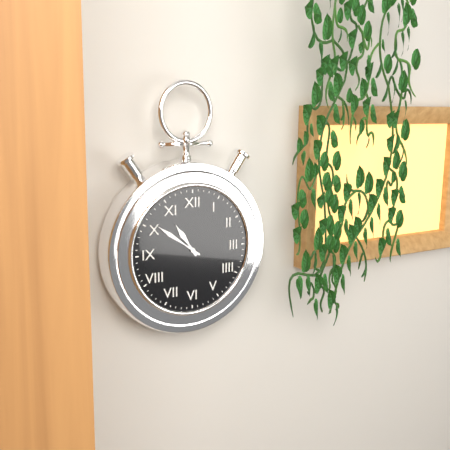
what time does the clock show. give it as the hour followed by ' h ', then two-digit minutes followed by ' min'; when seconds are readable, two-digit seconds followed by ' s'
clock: 10 h 51 min
